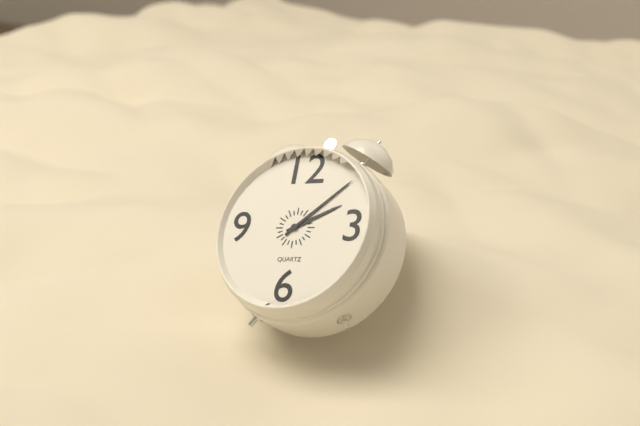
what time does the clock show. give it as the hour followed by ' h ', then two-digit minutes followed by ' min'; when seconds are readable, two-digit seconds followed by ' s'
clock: 2 h 08 min
